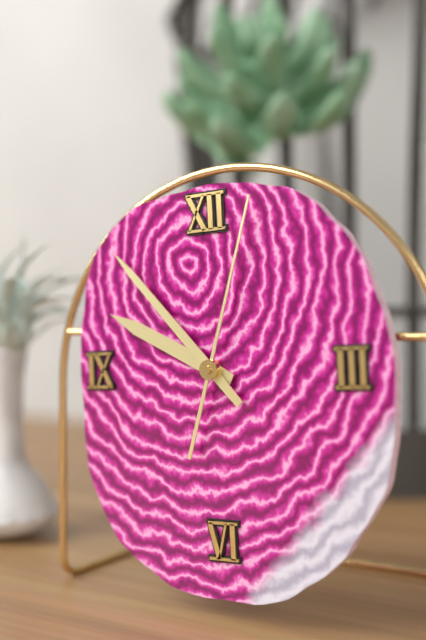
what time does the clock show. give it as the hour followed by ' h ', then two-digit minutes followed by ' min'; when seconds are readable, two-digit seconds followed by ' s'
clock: 9 h 53 min 03 s
